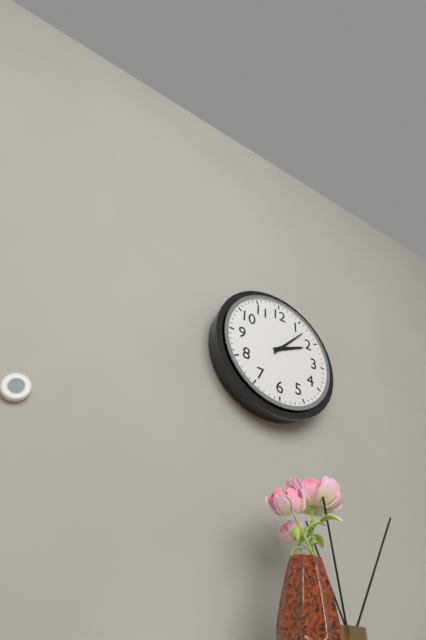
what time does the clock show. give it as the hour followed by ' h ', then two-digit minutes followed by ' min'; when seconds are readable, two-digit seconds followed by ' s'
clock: 2 h 07 min
